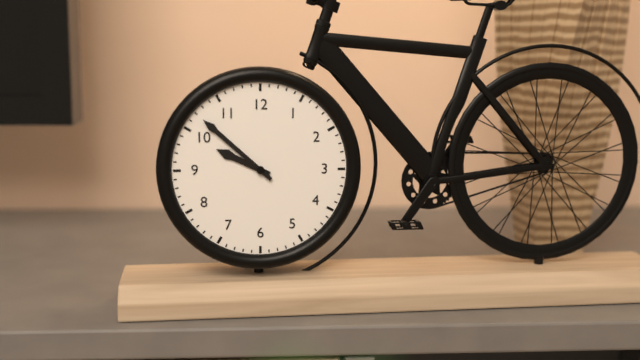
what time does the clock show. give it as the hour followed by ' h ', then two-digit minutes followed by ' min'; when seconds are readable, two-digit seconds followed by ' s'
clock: 9 h 52 min
